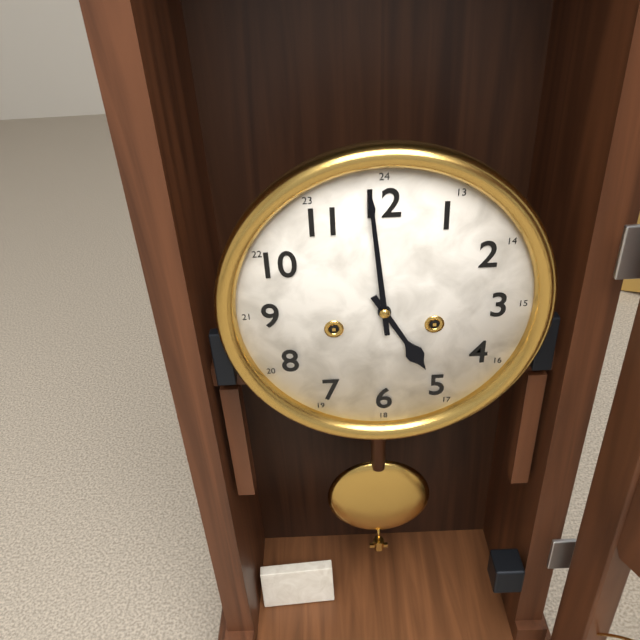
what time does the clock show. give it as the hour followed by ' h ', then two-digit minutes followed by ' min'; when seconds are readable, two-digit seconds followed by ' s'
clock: 4 h 59 min
